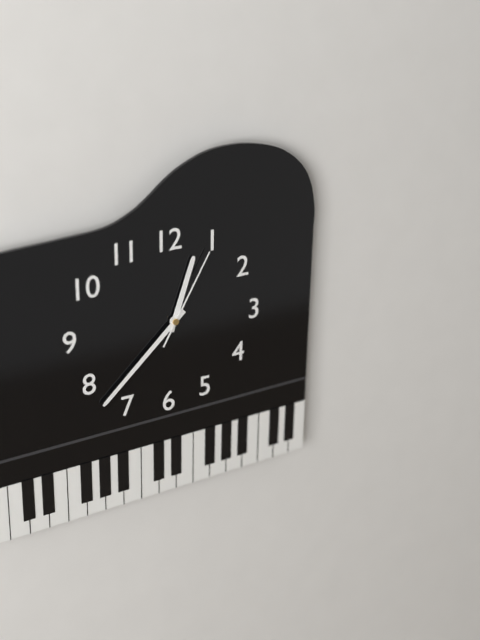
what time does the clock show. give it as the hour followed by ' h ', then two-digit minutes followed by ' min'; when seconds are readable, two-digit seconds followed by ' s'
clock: 12 h 38 min 05 s
